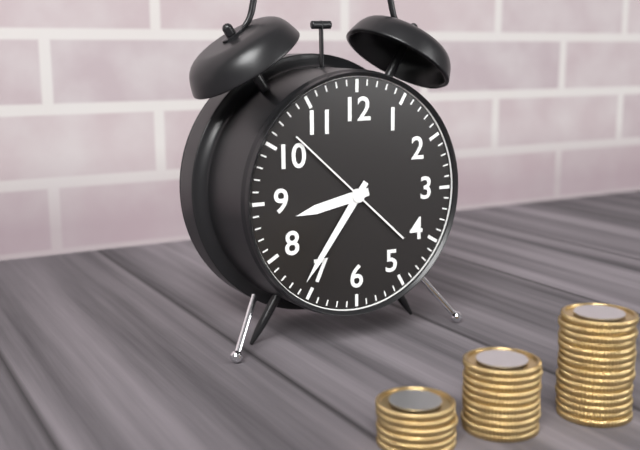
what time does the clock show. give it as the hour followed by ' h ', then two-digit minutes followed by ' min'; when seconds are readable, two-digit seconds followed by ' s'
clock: 8 h 36 min 52 s
